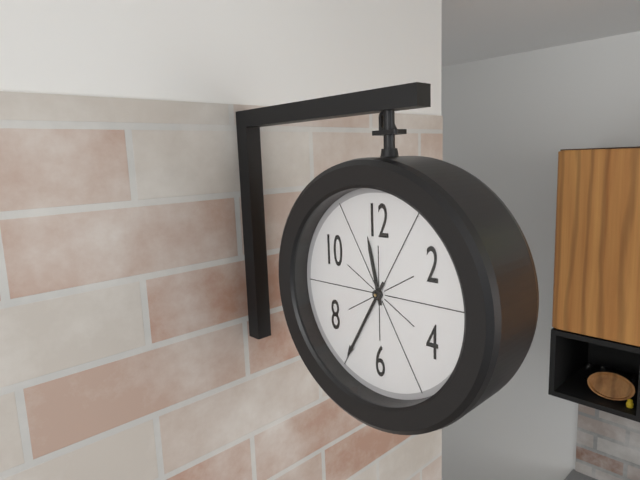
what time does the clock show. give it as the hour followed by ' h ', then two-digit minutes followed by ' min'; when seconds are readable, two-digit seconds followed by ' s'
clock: 11 h 35 min
